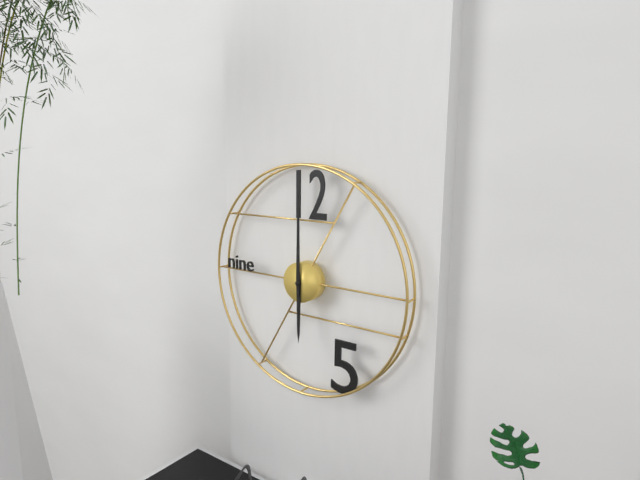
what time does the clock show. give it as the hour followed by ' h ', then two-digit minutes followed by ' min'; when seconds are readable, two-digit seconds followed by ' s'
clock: 6 h 00 min
